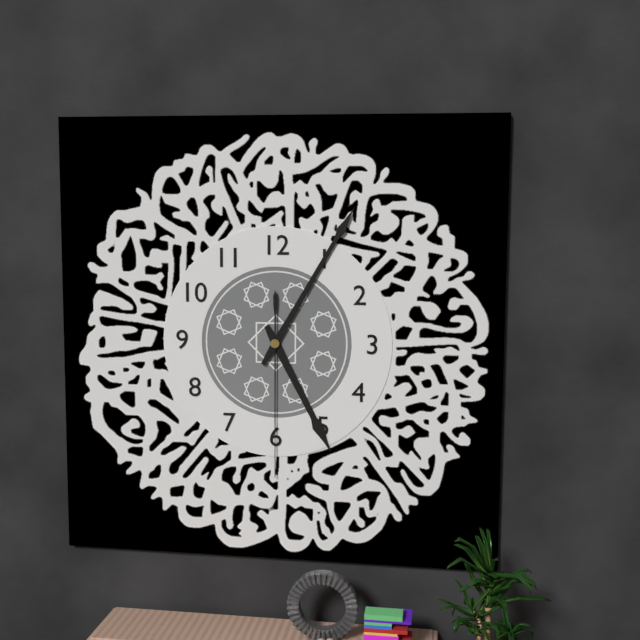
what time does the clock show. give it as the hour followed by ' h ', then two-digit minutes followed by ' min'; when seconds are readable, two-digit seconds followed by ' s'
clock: 5 h 05 min 30 s
